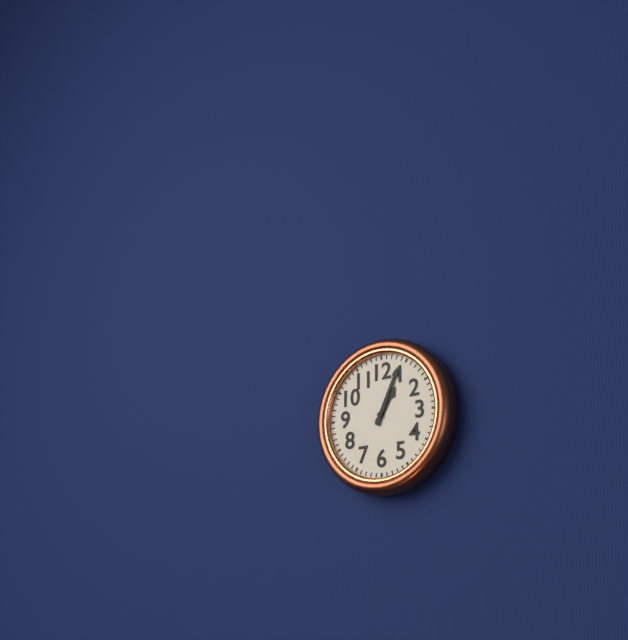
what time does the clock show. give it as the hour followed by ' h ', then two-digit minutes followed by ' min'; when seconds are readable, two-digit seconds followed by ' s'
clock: 1 h 04 min
